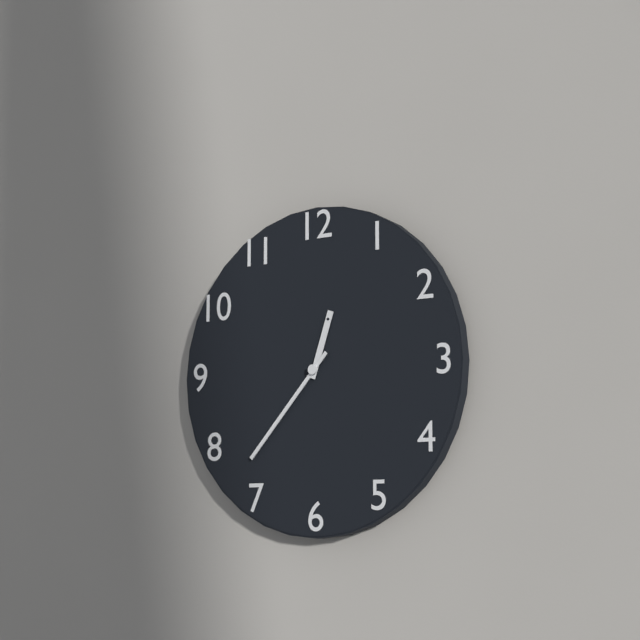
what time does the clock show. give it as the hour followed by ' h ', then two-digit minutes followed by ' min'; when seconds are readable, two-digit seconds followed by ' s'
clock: 12 h 37 min
